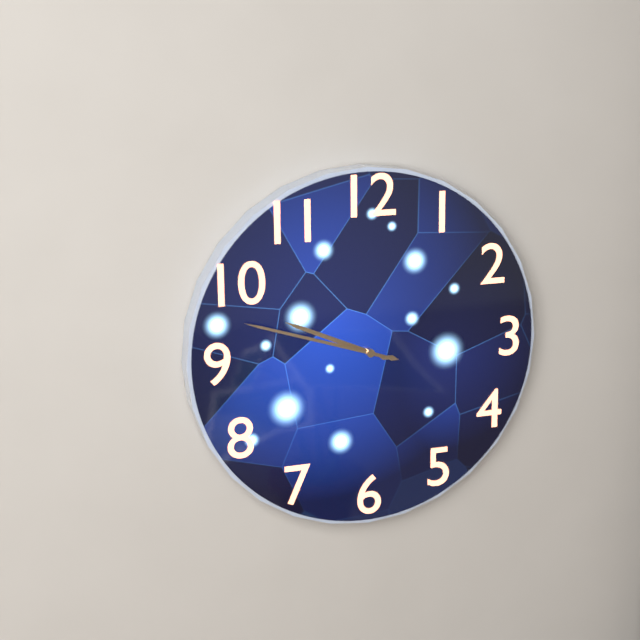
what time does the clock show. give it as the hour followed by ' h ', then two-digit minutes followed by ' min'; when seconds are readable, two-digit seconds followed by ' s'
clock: 9 h 48 min
